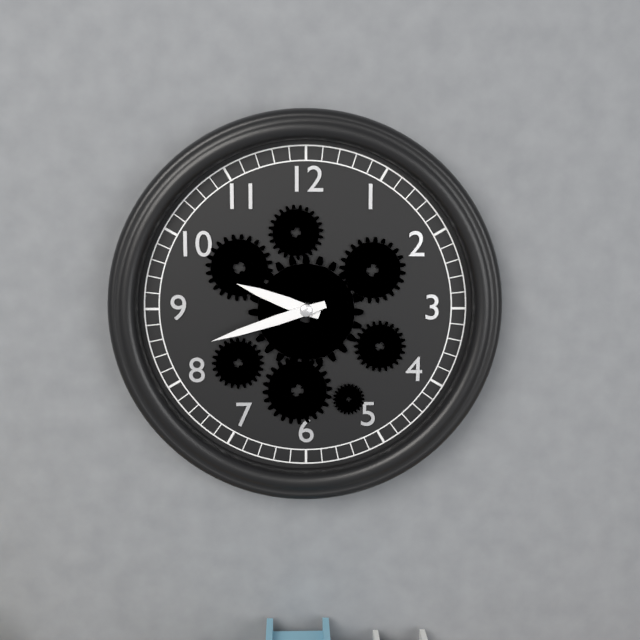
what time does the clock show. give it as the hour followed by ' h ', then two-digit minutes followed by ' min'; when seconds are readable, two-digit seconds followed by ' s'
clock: 9 h 42 min
